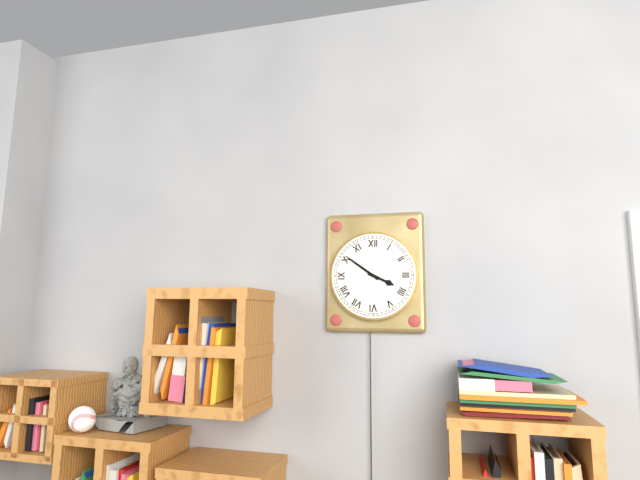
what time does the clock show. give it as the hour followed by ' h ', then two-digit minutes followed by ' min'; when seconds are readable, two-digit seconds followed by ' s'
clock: 3 h 51 min
